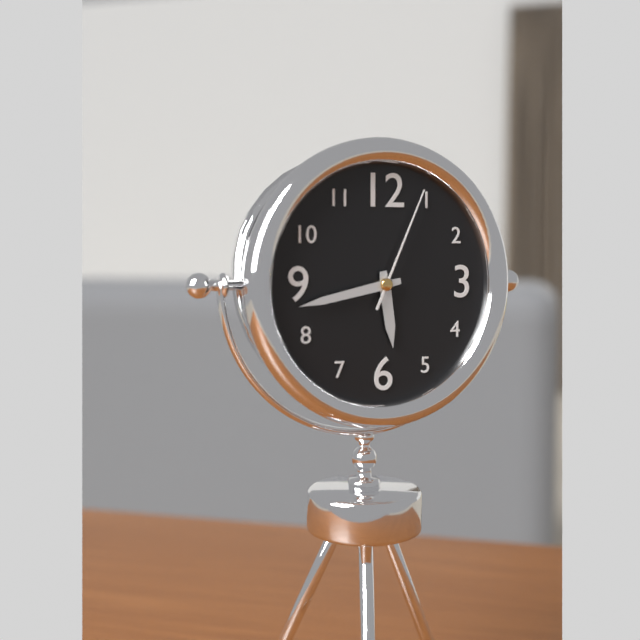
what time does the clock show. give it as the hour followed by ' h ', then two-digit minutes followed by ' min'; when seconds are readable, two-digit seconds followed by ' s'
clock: 5 h 43 min 04 s
